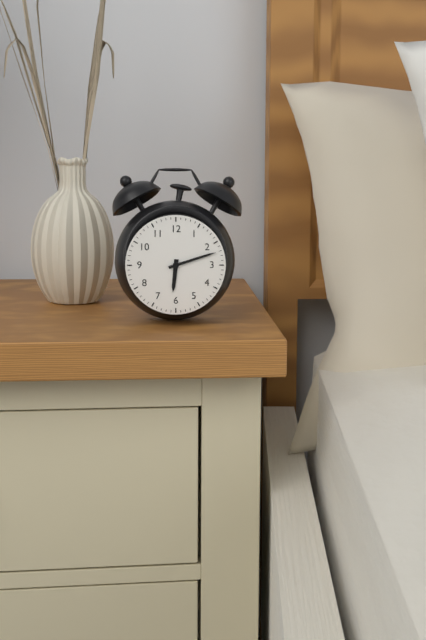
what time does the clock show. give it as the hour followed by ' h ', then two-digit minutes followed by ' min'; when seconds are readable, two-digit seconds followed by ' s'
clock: 6 h 12 min
